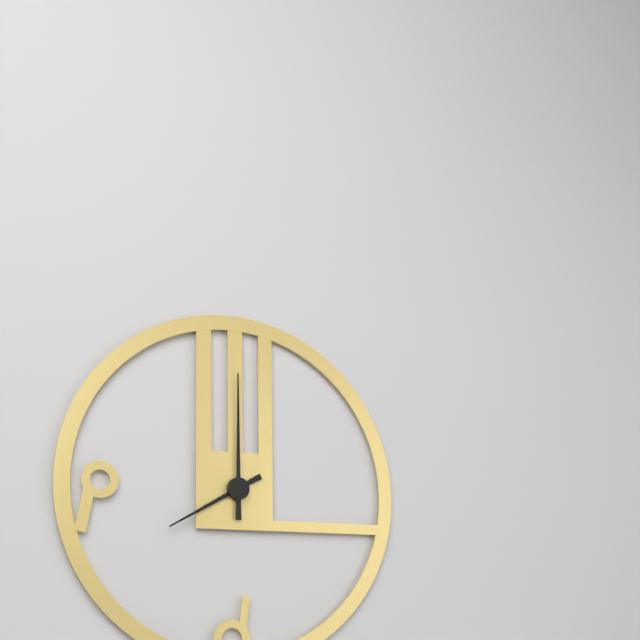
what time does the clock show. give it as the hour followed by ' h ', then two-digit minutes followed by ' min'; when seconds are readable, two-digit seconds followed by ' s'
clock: 8 h 00 min
